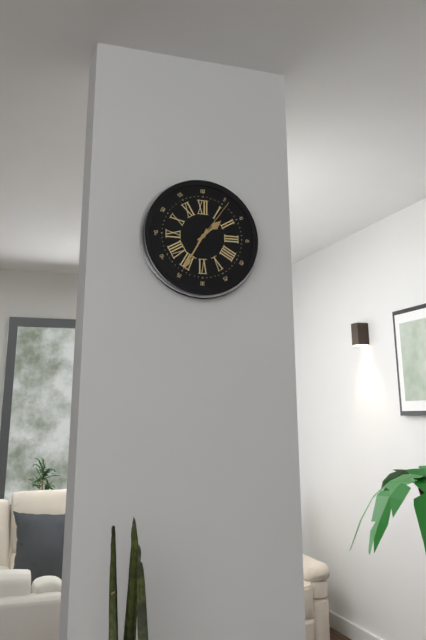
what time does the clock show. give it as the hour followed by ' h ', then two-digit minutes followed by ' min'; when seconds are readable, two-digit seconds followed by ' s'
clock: 1 h 35 min 06 s
